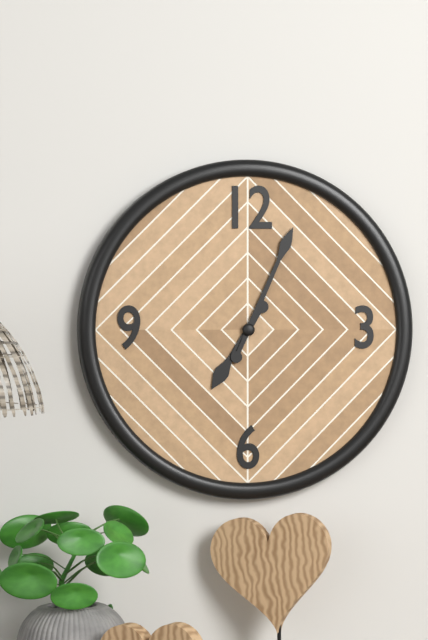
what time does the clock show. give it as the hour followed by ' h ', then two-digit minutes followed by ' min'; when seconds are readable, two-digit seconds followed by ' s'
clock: 7 h 04 min
